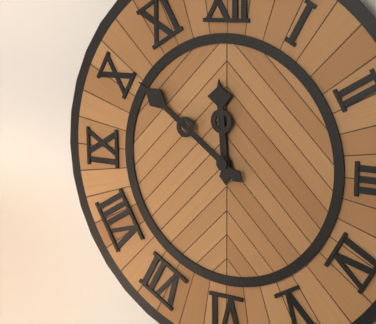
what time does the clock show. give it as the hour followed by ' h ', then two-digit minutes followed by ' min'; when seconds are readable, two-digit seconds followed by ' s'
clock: 11 h 51 min
